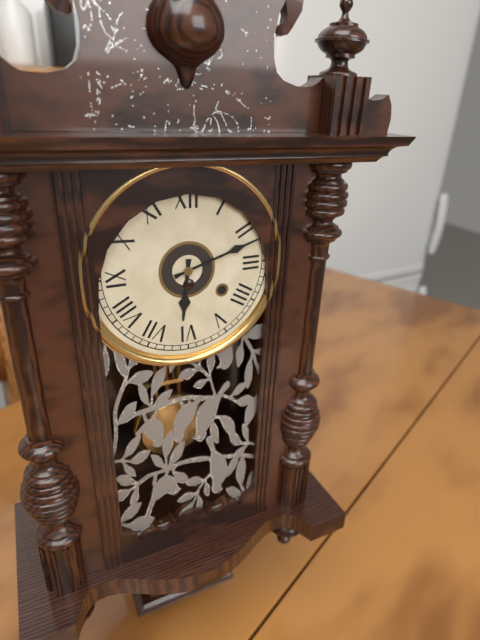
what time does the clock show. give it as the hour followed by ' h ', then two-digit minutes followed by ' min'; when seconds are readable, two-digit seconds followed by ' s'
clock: 6 h 12 min
